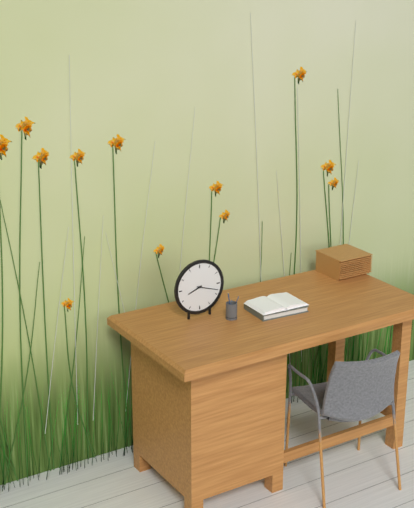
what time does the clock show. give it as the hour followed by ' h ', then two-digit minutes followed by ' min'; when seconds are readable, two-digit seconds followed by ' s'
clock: 8 h 18 min
